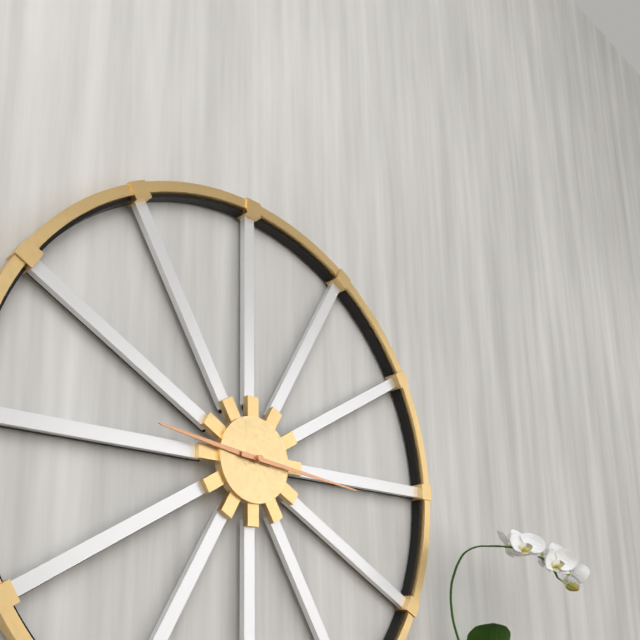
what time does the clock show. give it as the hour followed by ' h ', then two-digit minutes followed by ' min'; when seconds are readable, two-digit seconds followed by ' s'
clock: 9 h 16 min
